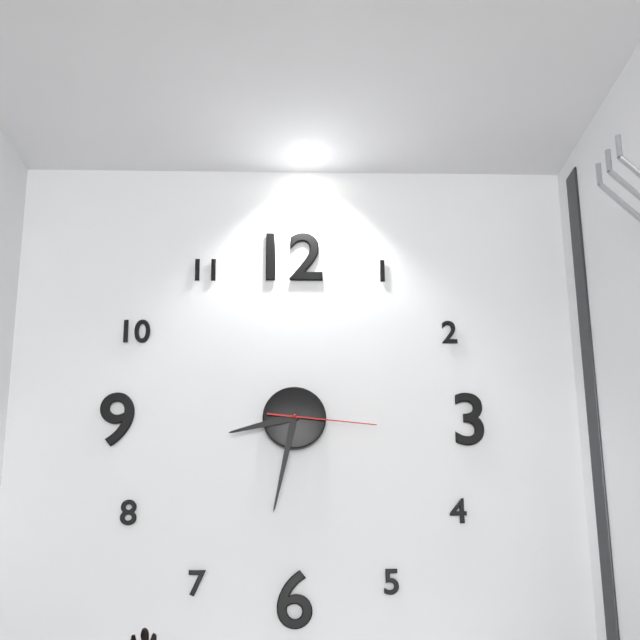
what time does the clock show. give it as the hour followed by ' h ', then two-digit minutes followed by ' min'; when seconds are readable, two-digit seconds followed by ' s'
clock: 8 h 32 min 16 s
